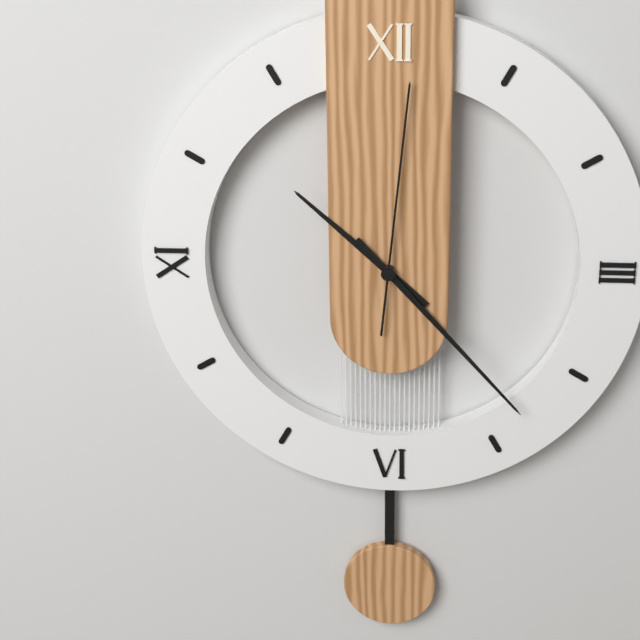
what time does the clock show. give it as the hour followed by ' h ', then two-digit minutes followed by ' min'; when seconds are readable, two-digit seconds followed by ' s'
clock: 10 h 23 min 01 s
